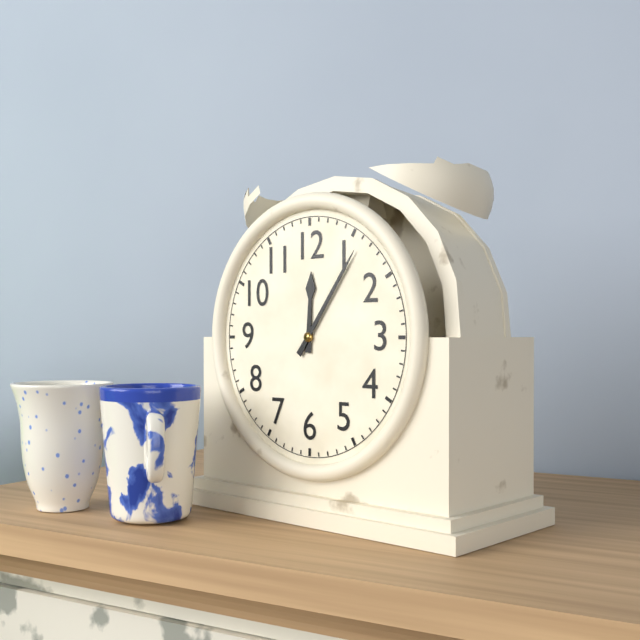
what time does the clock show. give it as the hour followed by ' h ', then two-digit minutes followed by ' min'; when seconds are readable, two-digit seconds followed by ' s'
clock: 12 h 06 min
